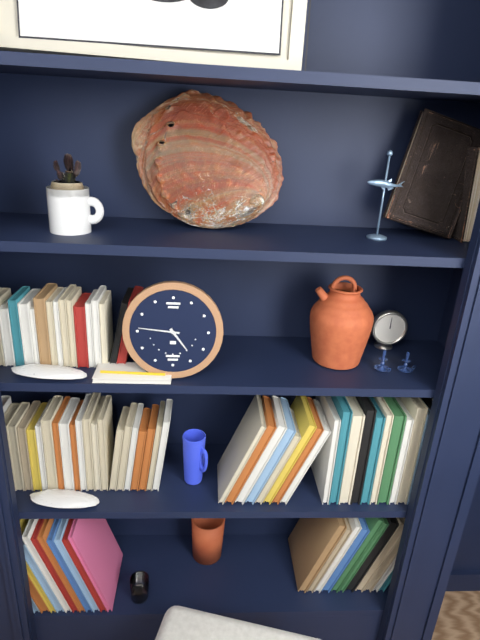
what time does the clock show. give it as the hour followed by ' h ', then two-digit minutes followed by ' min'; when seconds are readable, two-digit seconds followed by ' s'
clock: 4 h 46 min
